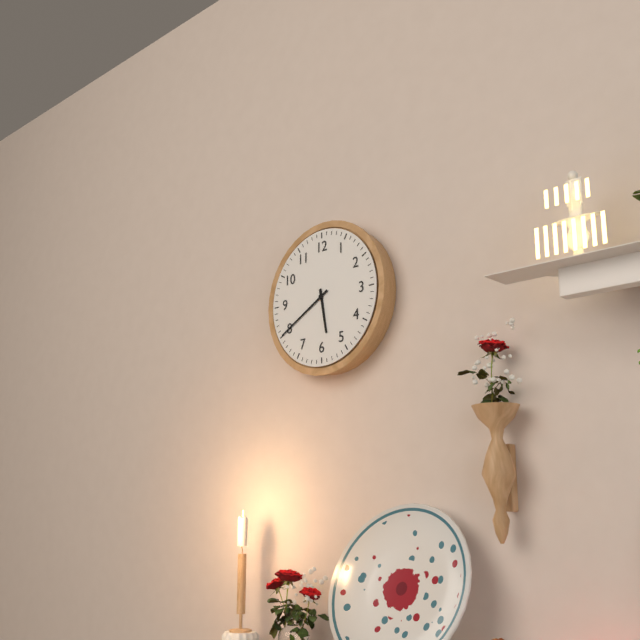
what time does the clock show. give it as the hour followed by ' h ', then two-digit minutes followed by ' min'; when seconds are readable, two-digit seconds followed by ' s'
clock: 5 h 40 min
